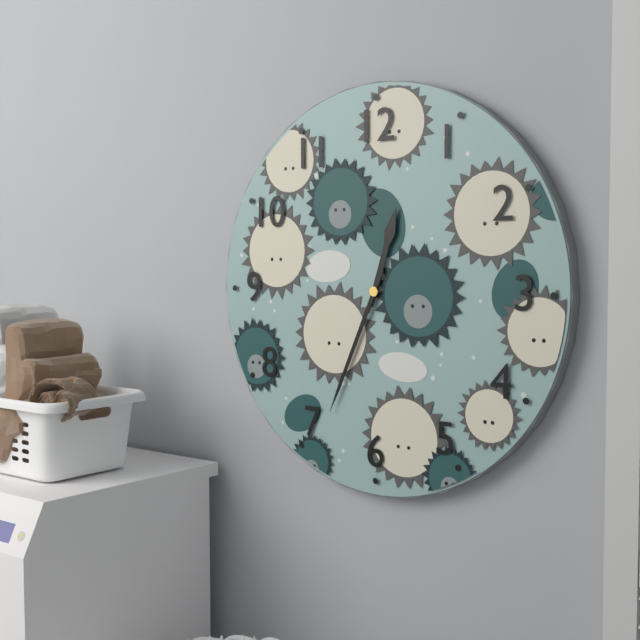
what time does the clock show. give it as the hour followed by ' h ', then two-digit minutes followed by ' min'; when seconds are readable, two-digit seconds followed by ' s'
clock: 12 h 34 min
